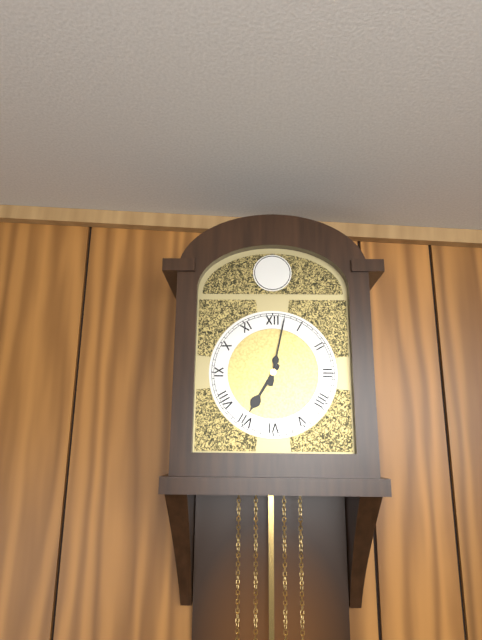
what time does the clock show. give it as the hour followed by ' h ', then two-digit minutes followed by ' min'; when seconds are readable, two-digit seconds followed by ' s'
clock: 7 h 02 min
